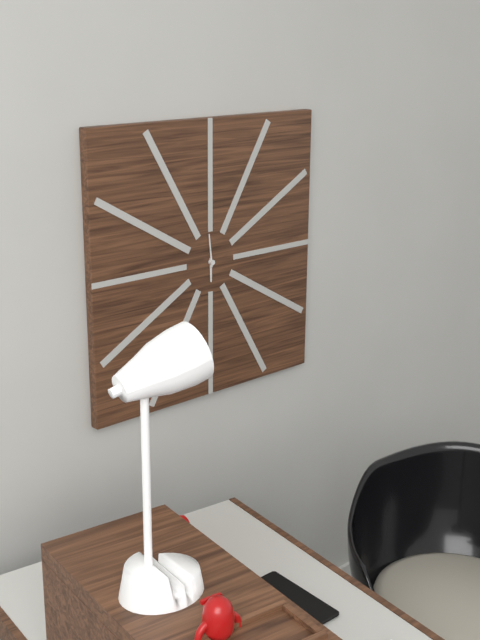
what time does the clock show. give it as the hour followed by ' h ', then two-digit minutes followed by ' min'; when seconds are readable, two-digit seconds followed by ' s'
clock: 5 h 59 min
